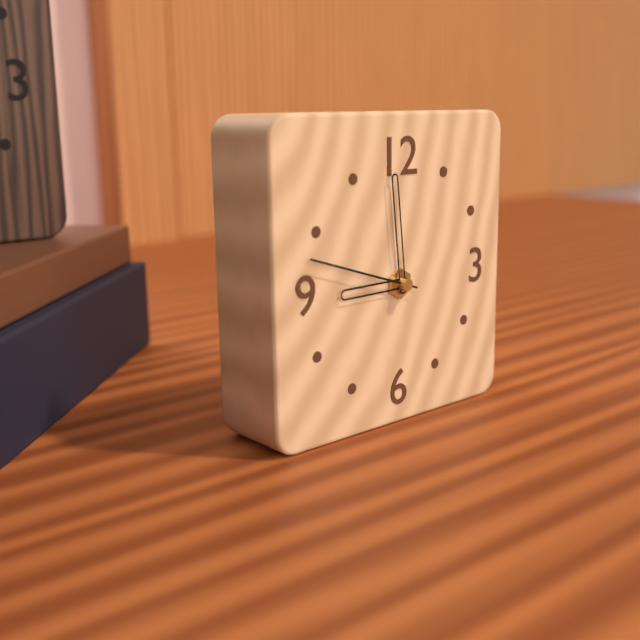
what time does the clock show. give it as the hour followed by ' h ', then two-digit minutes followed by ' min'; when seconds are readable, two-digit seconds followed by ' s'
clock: 8 h 59 min 48 s
